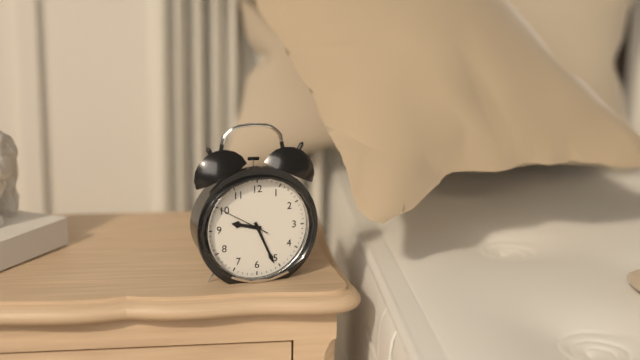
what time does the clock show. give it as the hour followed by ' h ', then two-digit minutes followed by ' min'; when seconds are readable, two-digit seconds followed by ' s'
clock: 9 h 26 min 50 s
